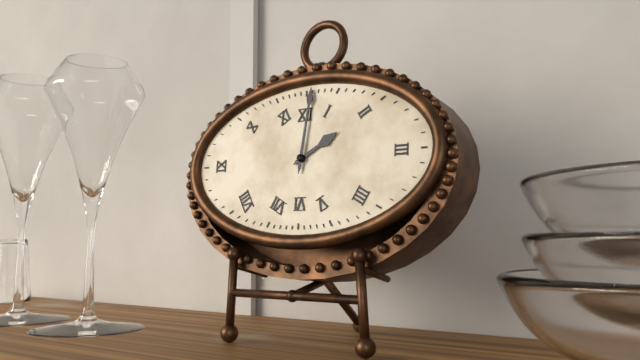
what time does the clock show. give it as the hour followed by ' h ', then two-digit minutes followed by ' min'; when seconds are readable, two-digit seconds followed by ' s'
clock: 2 h 01 min
